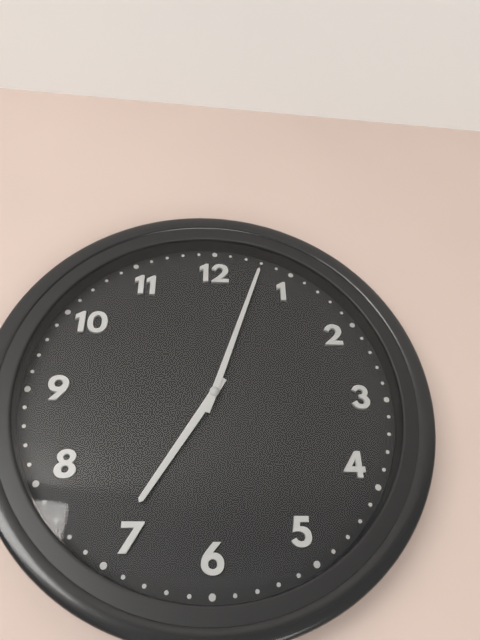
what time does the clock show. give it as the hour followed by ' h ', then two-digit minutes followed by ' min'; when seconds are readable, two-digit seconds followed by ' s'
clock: 7 h 03 min
